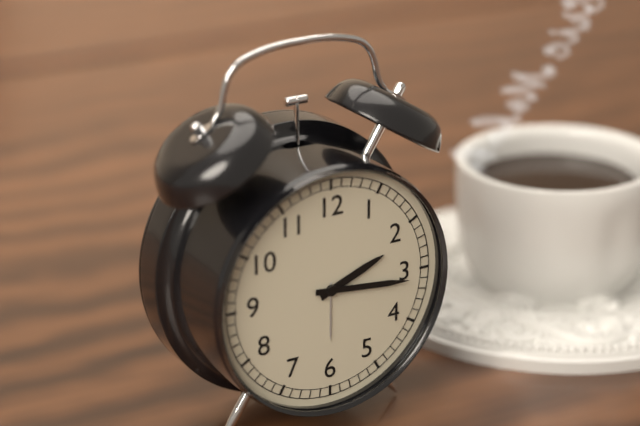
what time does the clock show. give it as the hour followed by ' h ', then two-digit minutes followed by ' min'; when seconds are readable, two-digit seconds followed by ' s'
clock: 2 h 16 min
